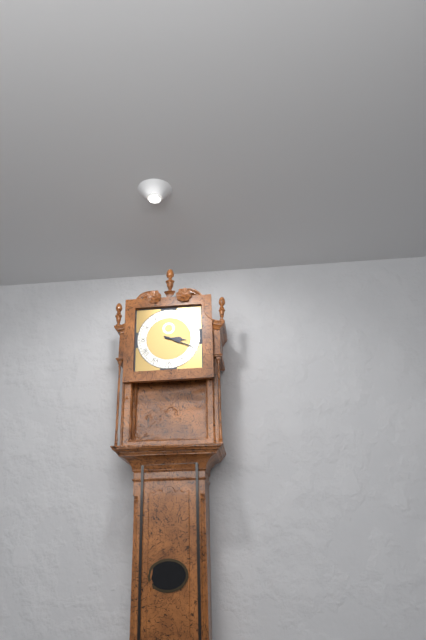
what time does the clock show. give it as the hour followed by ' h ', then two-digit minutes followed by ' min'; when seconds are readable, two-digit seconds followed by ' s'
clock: 3 h 19 min
